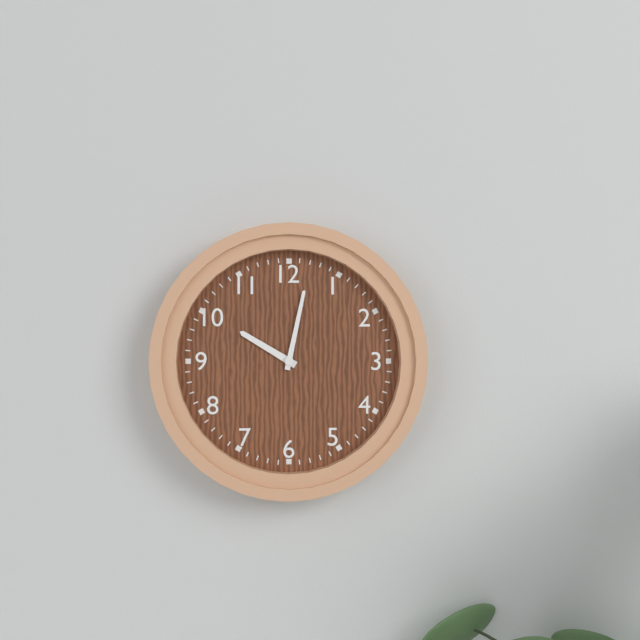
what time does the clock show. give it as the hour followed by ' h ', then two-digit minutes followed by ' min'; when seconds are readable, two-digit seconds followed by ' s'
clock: 10 h 02 min
